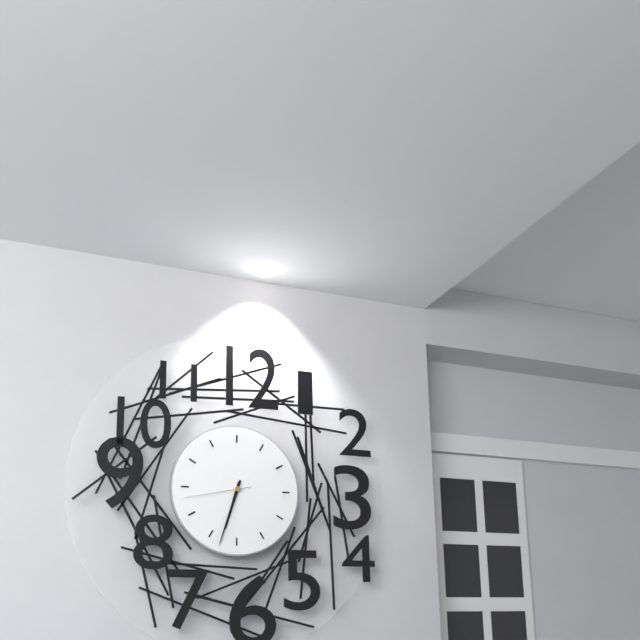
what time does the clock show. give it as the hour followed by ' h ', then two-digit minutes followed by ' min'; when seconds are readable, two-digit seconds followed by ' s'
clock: 6 h 33 min 43 s
